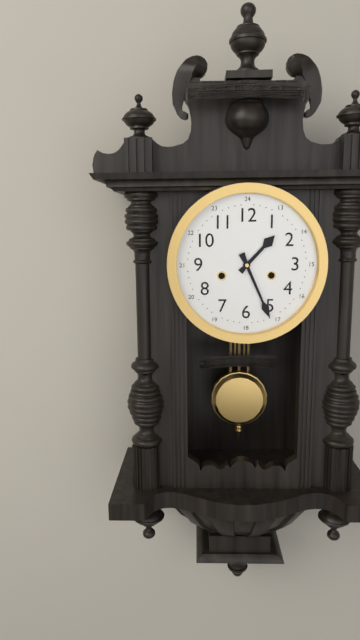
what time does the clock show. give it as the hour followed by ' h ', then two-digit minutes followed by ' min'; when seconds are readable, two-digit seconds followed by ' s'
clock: 1 h 26 min
